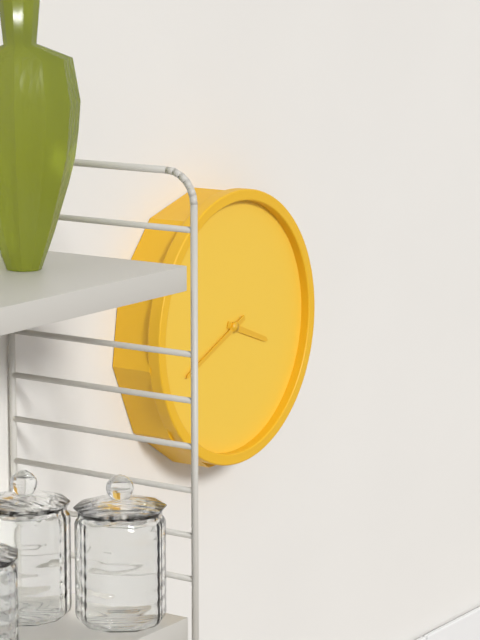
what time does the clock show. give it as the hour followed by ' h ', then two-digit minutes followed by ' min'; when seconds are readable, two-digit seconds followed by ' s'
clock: 3 h 41 min
